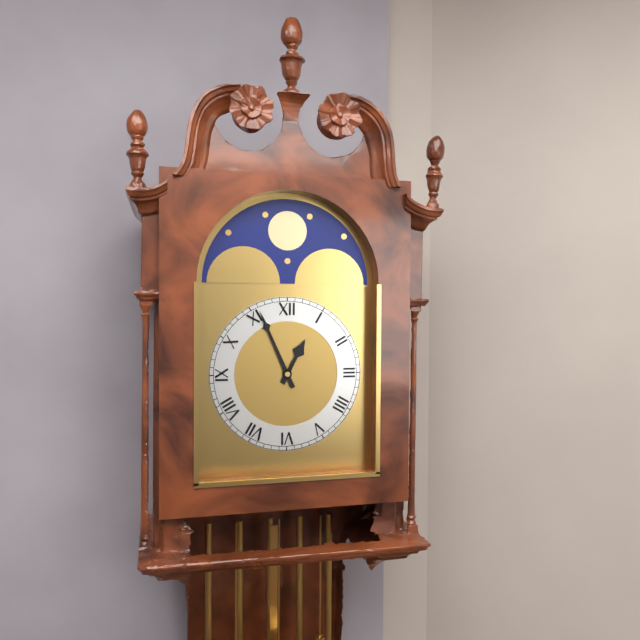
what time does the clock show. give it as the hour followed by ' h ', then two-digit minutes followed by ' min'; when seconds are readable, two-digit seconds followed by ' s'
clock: 12 h 56 min
